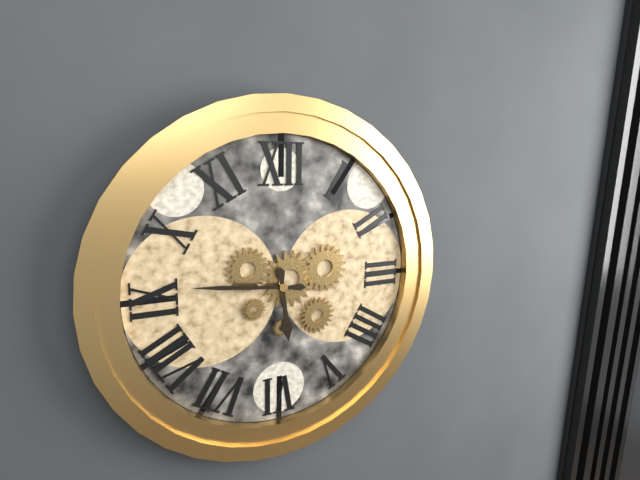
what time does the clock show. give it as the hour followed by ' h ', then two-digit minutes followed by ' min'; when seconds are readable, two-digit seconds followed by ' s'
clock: 5 h 46 min
